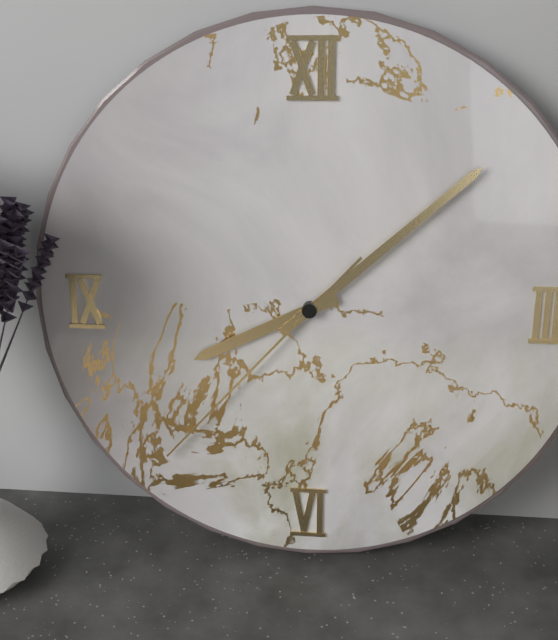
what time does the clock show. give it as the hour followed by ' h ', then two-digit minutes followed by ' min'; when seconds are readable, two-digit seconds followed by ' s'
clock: 8 h 08 min 37 s
